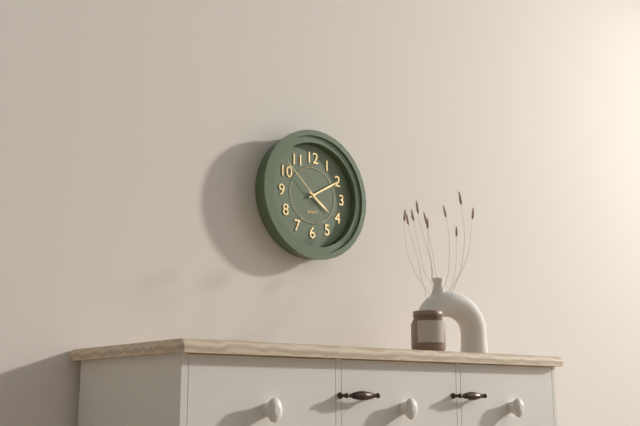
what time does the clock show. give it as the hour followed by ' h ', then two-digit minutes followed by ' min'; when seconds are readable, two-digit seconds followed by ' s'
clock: 4 h 10 min 52 s
